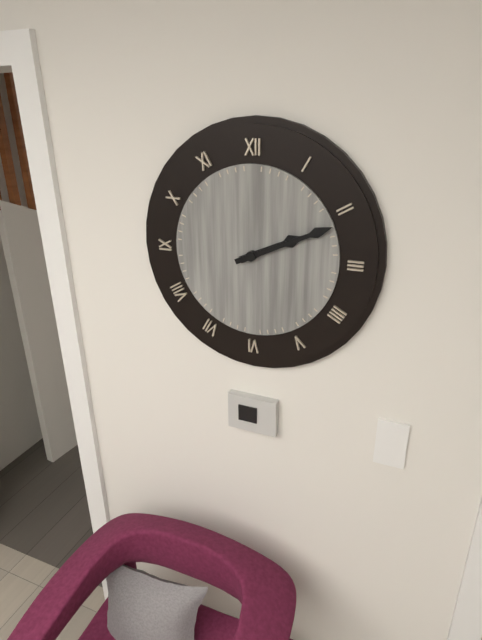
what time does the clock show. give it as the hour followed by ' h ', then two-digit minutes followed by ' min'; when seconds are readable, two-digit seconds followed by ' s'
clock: 2 h 11 min
